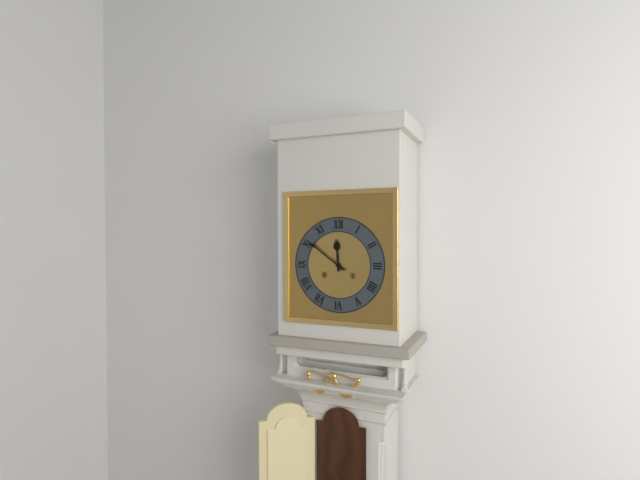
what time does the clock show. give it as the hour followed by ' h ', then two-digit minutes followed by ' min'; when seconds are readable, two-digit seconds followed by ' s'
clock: 11 h 51 min
